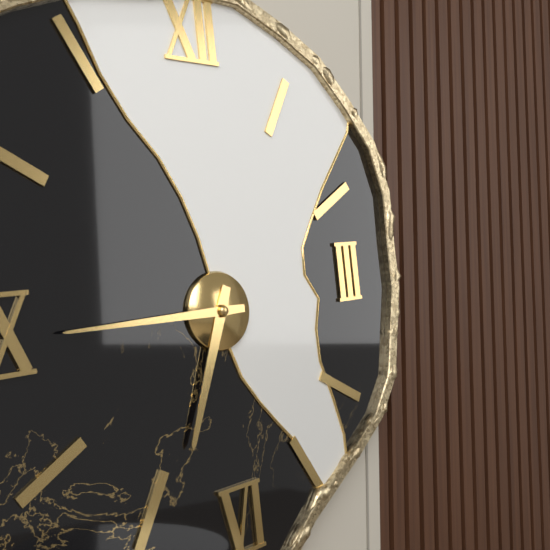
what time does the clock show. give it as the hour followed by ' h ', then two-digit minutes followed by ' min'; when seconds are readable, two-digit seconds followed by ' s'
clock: 6 h 45 min
